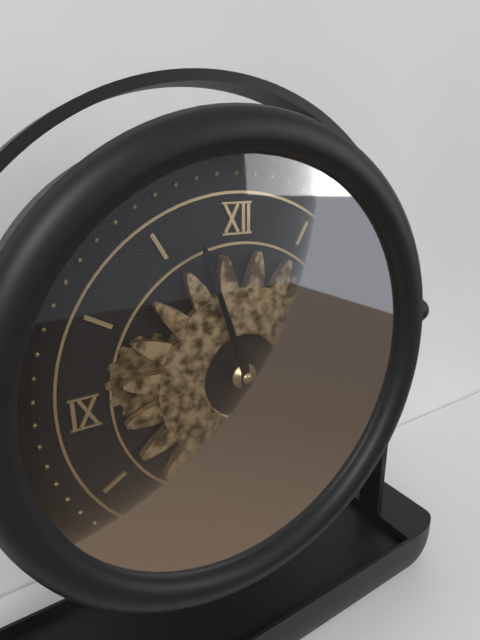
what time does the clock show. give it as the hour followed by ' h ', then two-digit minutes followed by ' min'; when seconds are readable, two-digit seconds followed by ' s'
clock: 5 h 57 min
